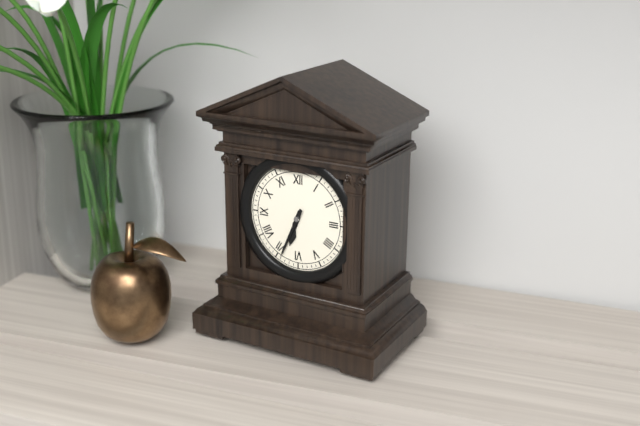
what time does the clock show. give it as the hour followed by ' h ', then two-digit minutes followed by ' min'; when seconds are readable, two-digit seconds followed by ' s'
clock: 6 h 34 min
